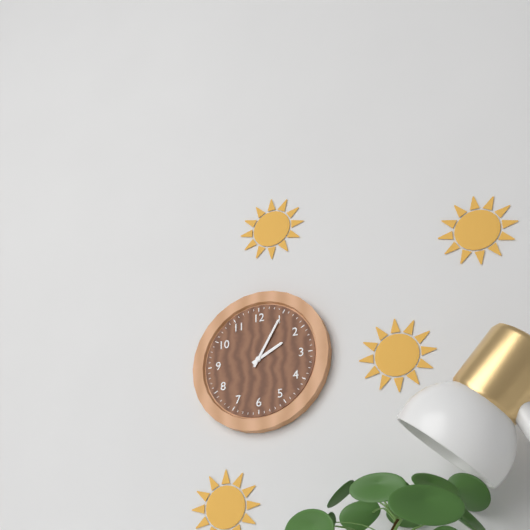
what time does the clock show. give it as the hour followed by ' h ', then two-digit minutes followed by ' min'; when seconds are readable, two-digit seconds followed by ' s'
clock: 2 h 05 min
